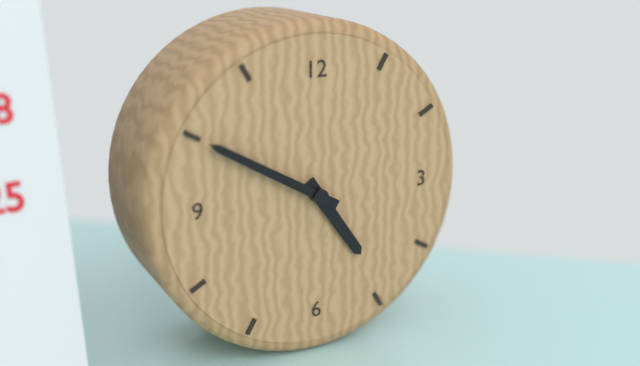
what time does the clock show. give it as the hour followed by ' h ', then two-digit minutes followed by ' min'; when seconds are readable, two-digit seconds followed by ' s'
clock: 4 h 50 min
